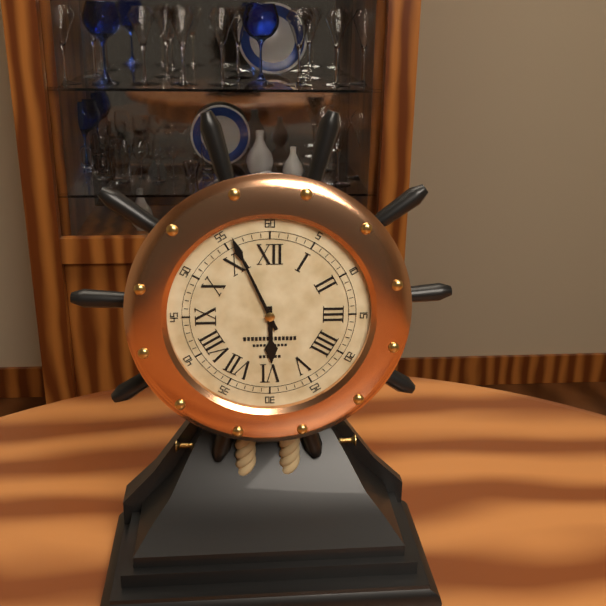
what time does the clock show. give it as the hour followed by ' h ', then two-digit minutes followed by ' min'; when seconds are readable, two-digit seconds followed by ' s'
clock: 5 h 56 min
